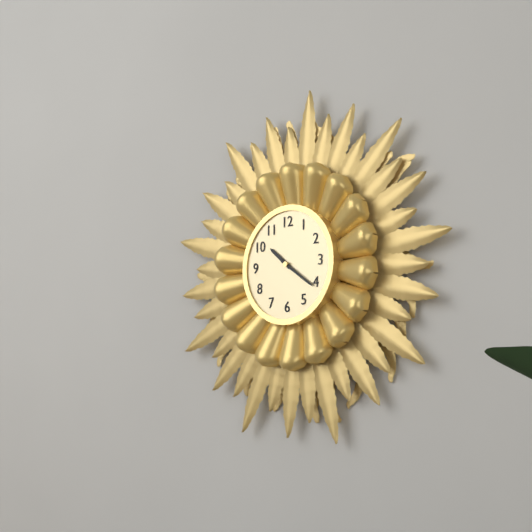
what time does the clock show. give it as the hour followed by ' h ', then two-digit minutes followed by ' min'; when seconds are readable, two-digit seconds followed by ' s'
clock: 10 h 21 min
